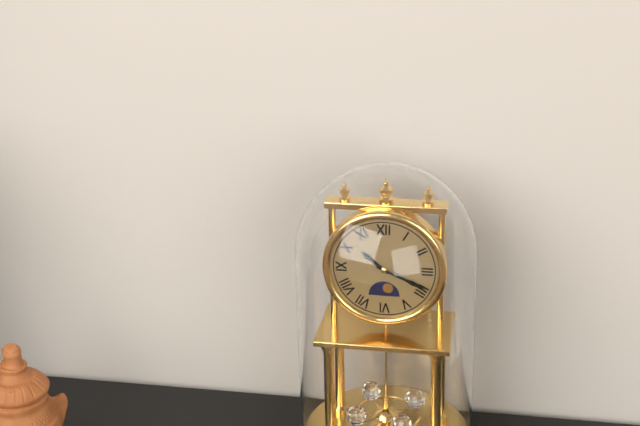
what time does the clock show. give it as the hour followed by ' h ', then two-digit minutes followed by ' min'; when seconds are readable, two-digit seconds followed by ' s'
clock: 10 h 19 min
